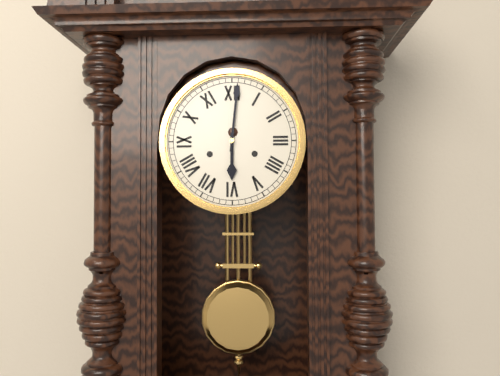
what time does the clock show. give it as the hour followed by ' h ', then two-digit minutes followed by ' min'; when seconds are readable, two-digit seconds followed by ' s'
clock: 6 h 01 min
